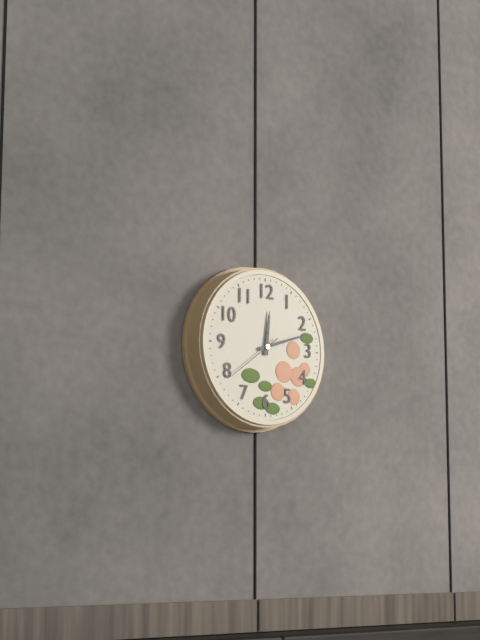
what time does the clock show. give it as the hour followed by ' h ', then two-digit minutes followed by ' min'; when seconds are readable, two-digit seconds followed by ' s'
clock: 12 h 12 min 39 s
